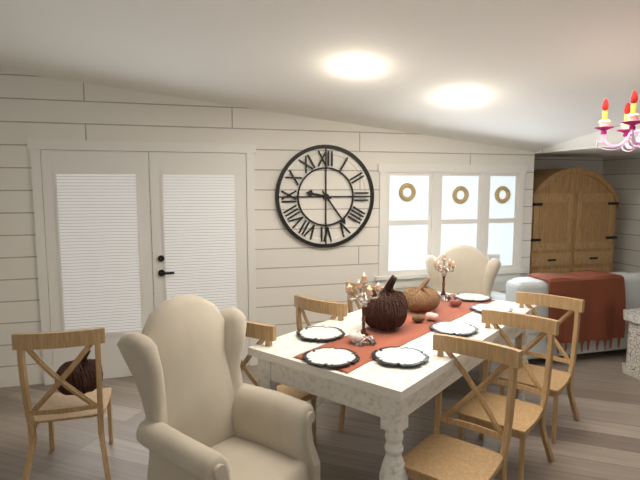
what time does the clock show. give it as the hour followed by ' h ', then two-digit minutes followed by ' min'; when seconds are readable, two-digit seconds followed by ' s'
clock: 9 h 24 min
